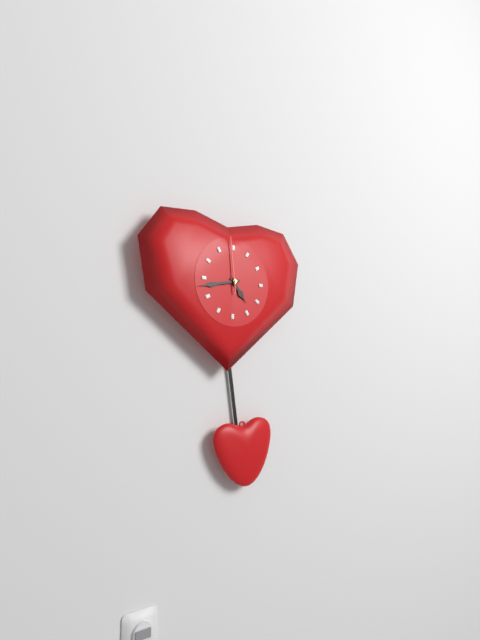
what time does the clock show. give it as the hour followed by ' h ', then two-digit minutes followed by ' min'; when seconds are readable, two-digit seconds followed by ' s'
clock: 4 h 43 min 59 s
